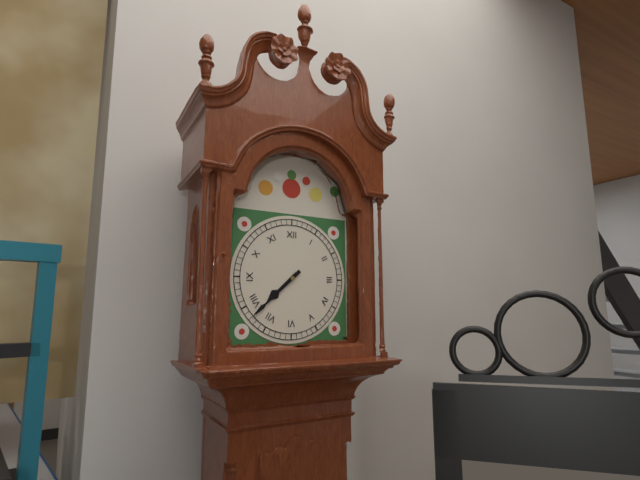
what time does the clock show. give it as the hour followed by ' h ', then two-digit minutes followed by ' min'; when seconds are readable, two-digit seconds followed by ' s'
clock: 7 h 38 min
